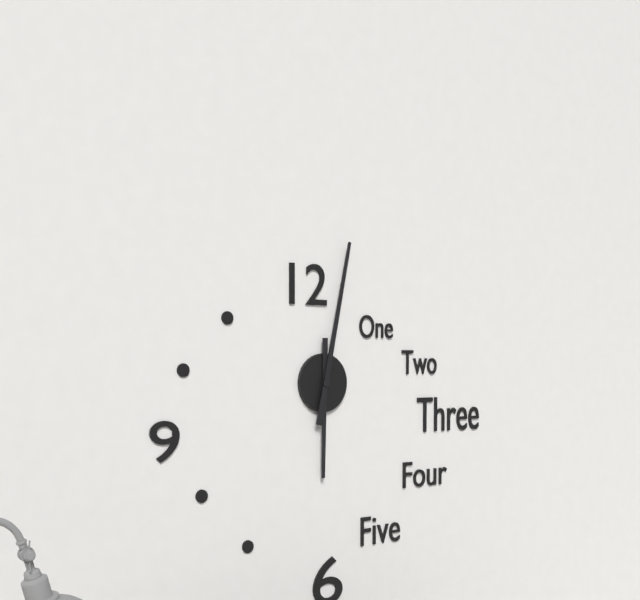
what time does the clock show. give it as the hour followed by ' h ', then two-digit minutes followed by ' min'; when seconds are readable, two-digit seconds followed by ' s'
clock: 6 h 02 min
